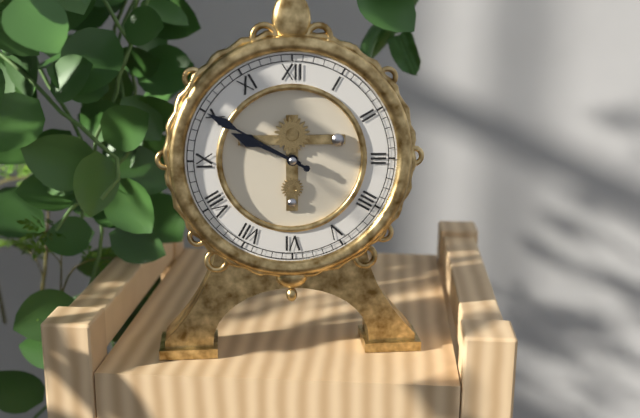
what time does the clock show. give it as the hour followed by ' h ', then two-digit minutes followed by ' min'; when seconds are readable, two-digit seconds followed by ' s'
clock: 9 h 50 min
